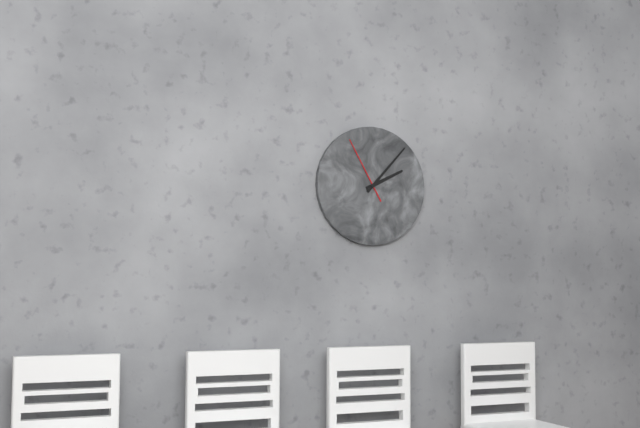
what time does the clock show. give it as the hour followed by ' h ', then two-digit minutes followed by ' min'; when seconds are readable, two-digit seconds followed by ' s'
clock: 2 h 07 min 55 s
